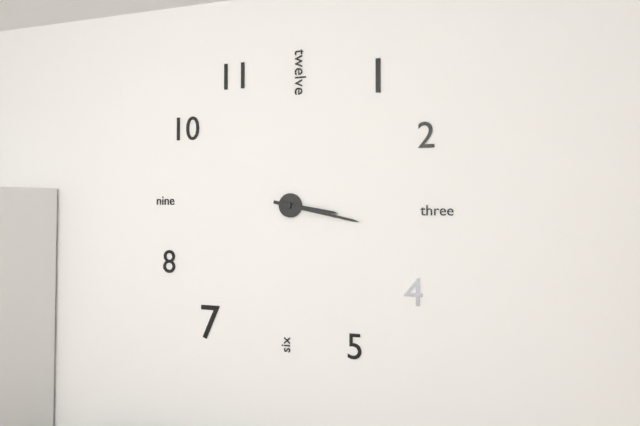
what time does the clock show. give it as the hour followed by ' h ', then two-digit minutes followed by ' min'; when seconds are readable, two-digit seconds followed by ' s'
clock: 3 h 17 min
